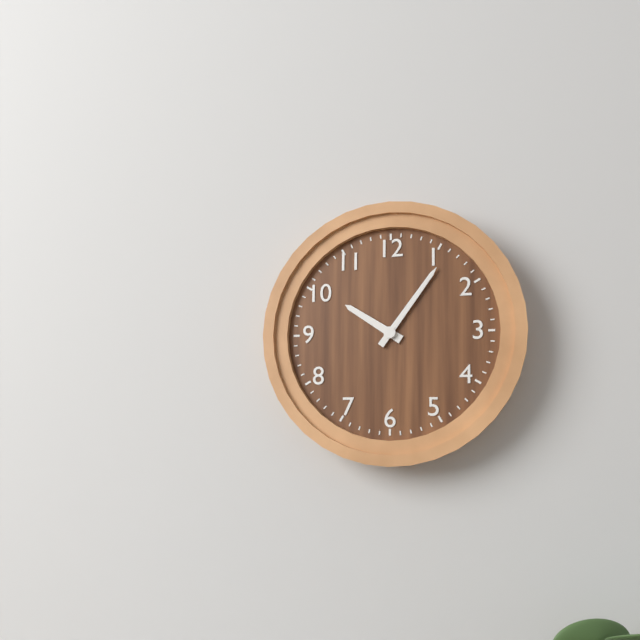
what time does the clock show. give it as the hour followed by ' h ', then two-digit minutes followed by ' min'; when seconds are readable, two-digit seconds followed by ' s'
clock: 10 h 06 min
